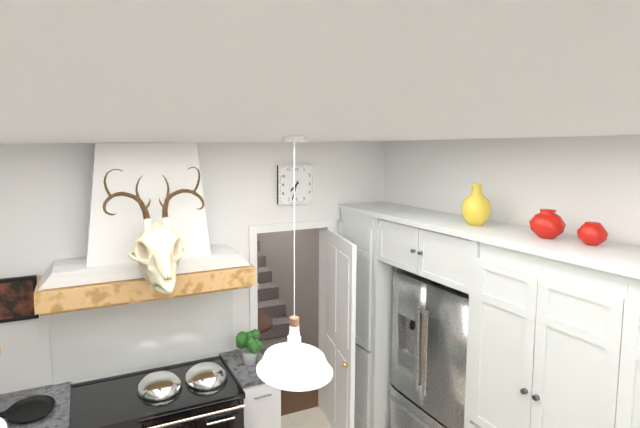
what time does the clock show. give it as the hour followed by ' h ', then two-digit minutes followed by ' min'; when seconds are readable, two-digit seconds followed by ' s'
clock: 7 h 33 min
